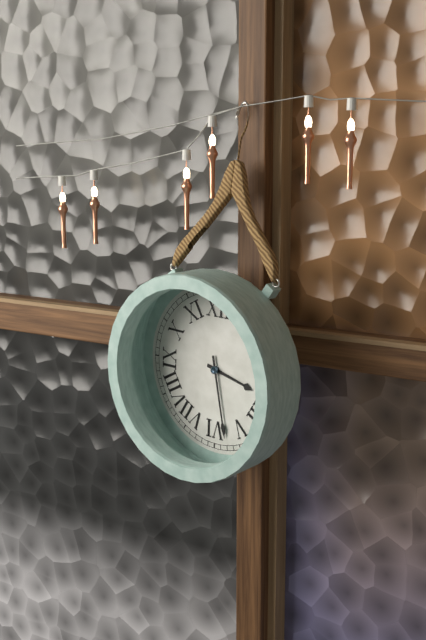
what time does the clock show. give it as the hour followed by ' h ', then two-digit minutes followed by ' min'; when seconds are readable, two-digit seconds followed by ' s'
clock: 3 h 28 min
